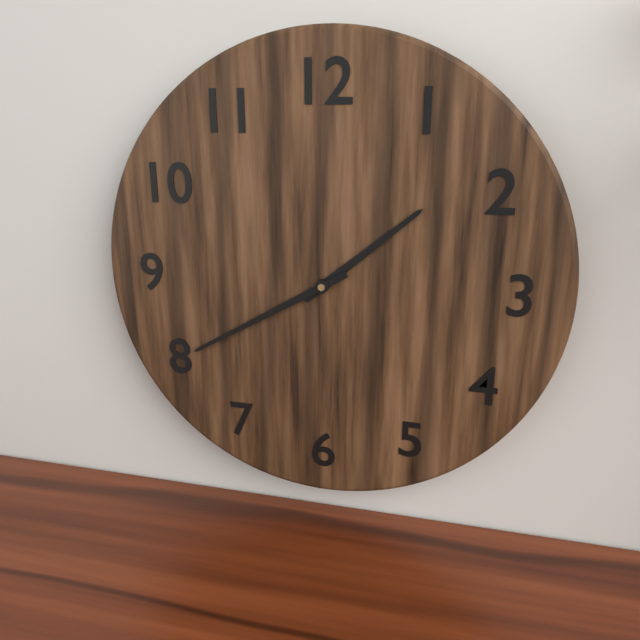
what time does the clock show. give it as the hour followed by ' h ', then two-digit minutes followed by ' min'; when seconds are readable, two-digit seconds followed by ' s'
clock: 1 h 40 min
